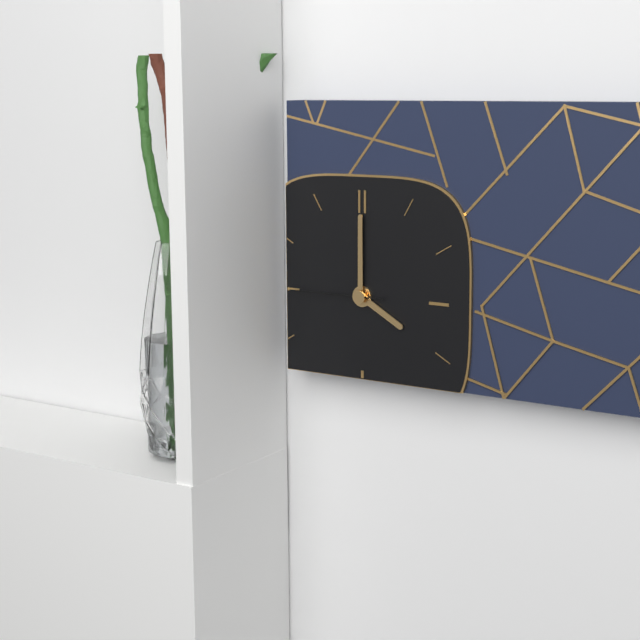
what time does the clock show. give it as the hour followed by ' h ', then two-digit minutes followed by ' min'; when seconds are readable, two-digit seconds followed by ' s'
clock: 4 h 00 min 45 s
